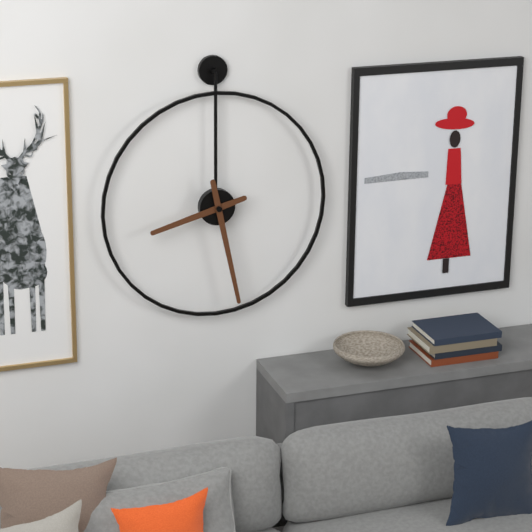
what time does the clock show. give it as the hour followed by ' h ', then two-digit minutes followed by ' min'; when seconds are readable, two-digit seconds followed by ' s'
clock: 8 h 28 min
